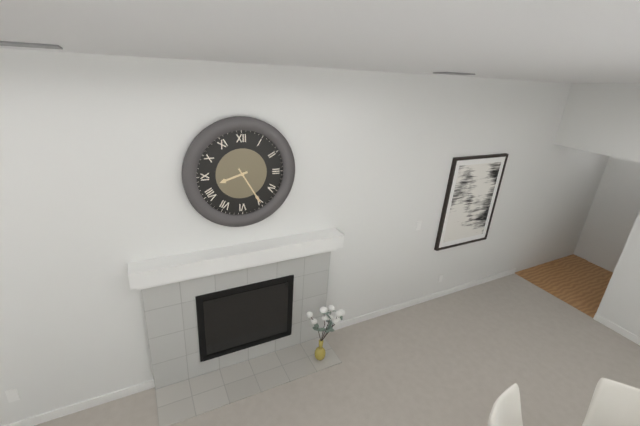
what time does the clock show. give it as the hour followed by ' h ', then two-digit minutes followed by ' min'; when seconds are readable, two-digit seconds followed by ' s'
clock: 8 h 25 min
